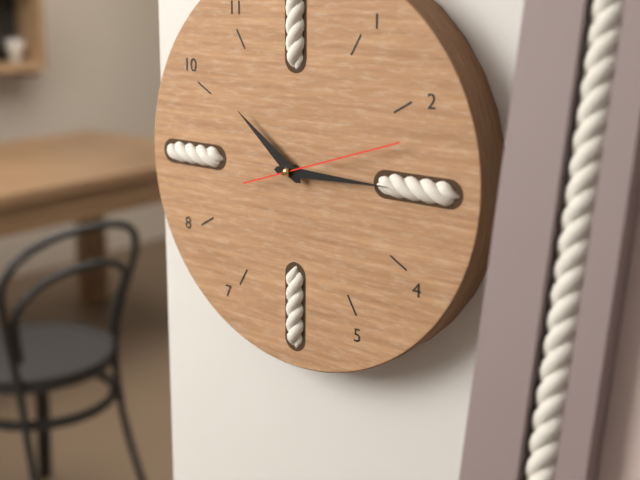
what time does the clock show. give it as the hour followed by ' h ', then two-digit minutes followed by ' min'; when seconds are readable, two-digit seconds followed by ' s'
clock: 10 h 15 min 12 s
